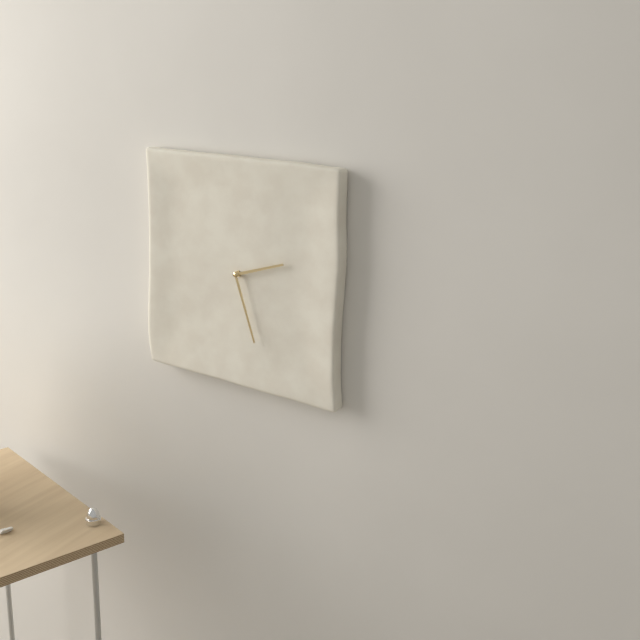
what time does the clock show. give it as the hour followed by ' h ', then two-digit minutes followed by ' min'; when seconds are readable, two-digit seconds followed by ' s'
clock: 2 h 27 min
